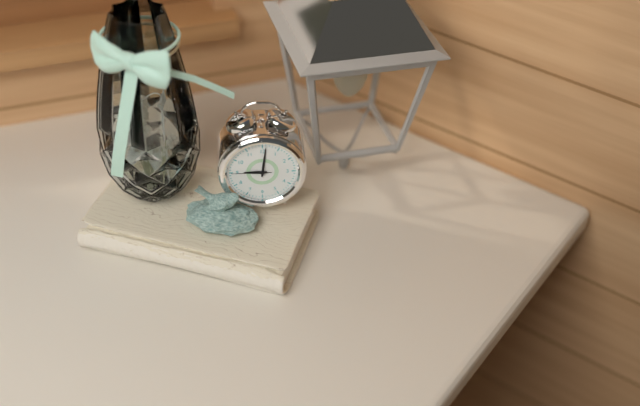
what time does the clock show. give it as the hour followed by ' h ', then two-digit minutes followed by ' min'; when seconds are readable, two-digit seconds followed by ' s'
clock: 9 h 01 min
